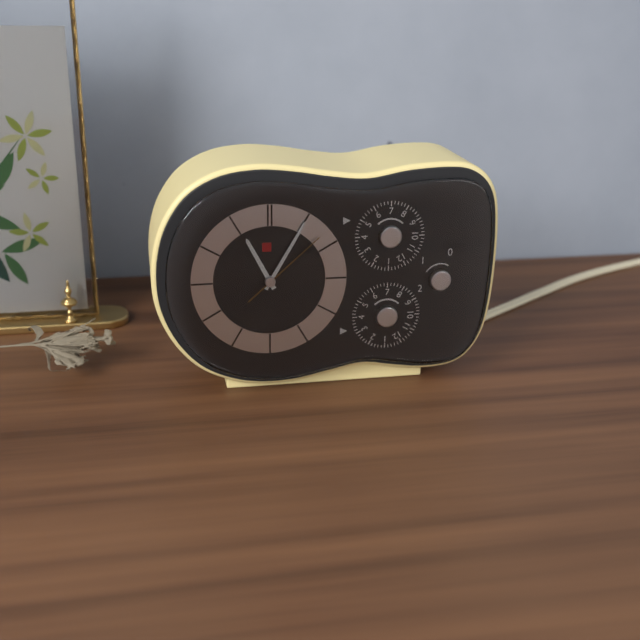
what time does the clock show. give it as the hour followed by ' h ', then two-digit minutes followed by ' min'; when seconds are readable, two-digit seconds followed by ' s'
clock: 11 h 05 min 08 s
